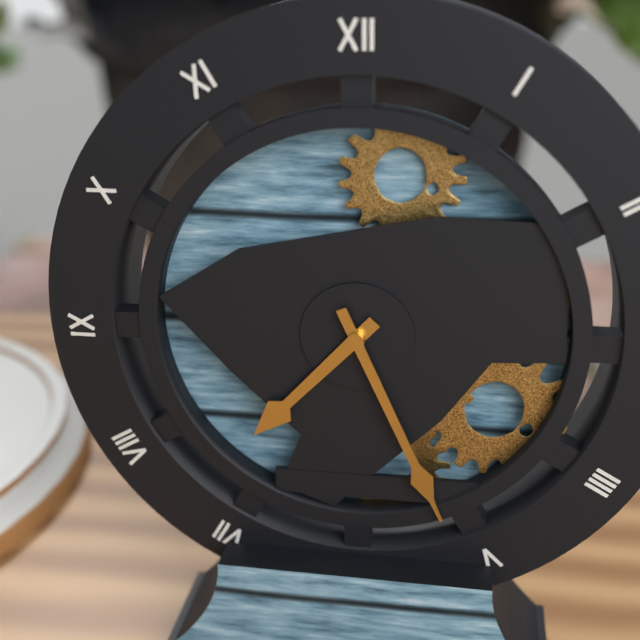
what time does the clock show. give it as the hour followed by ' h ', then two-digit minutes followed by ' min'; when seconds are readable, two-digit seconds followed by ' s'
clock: 7 h 26 min
